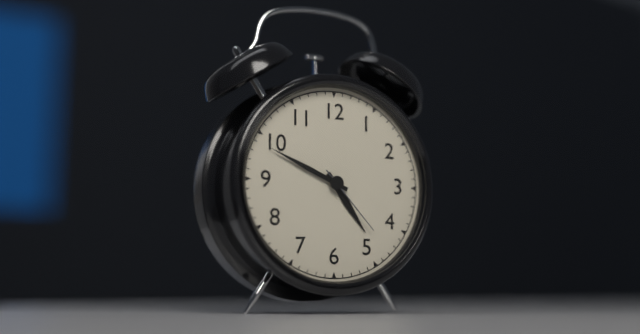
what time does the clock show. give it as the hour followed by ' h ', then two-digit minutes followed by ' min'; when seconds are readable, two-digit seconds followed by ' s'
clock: 4 h 49 min 23 s
